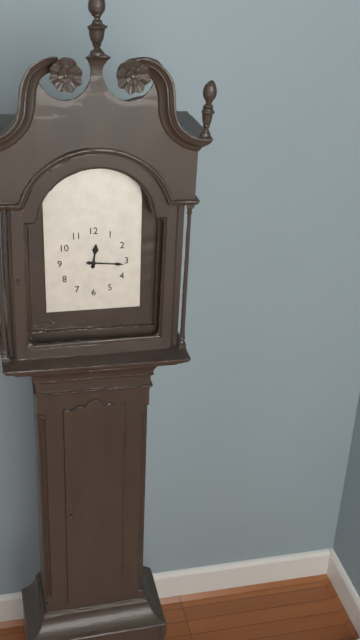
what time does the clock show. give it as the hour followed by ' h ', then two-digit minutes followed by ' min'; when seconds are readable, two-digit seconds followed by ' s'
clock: 12 h 16 min
